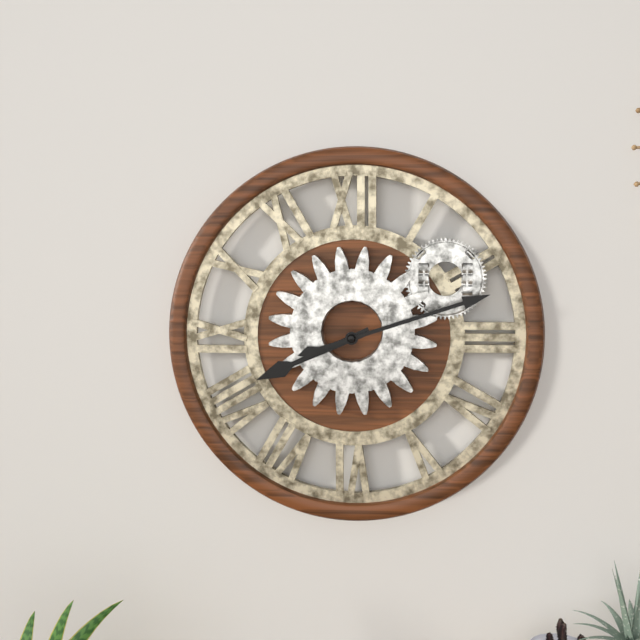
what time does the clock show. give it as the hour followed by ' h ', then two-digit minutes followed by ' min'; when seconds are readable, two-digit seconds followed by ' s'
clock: 8 h 12 min
